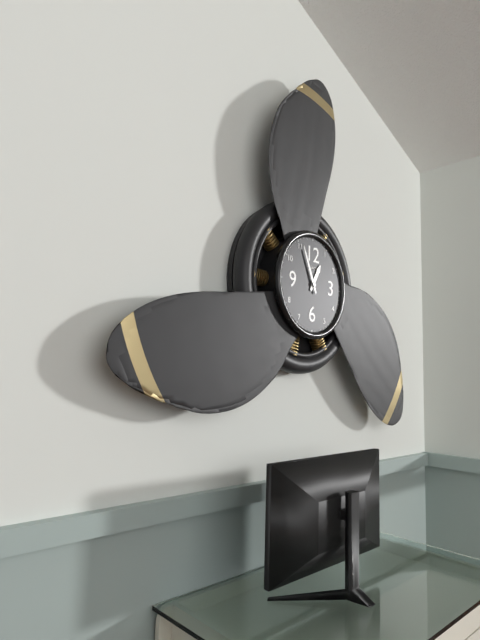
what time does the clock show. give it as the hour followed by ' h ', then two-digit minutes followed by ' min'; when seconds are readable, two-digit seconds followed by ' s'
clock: 12 h 56 min
